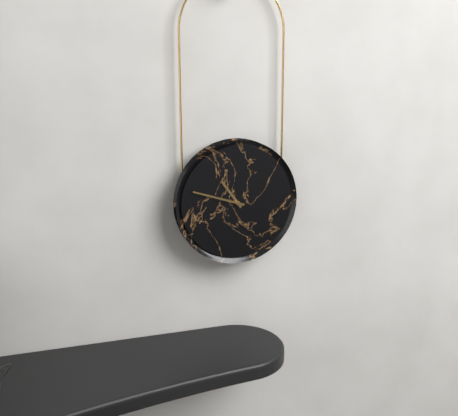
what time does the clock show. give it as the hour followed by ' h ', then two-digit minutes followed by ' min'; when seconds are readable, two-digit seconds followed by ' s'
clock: 10 h 48 min
